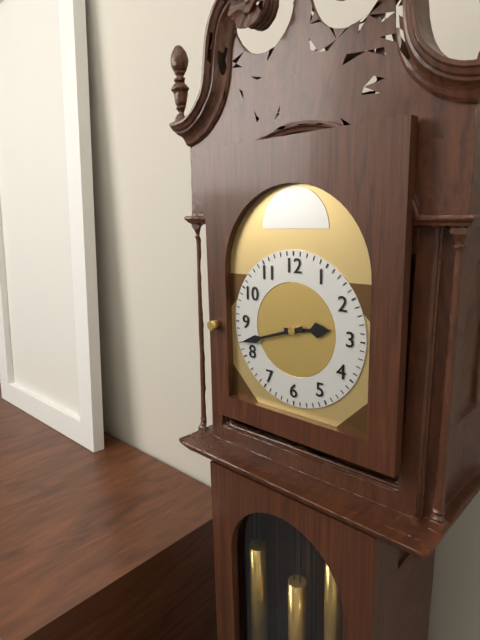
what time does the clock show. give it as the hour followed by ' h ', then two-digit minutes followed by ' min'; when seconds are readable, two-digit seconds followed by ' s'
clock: 2 h 42 min
